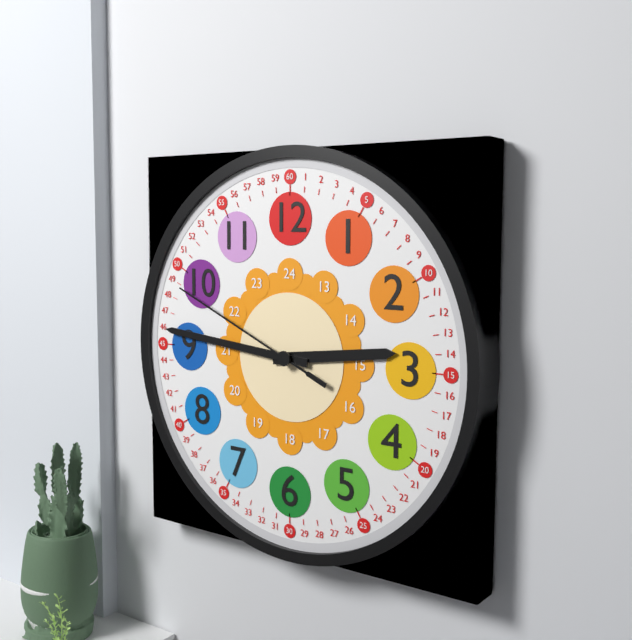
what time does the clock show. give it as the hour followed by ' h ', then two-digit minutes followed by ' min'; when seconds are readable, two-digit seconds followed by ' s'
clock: 2 h 46 min 49 s
